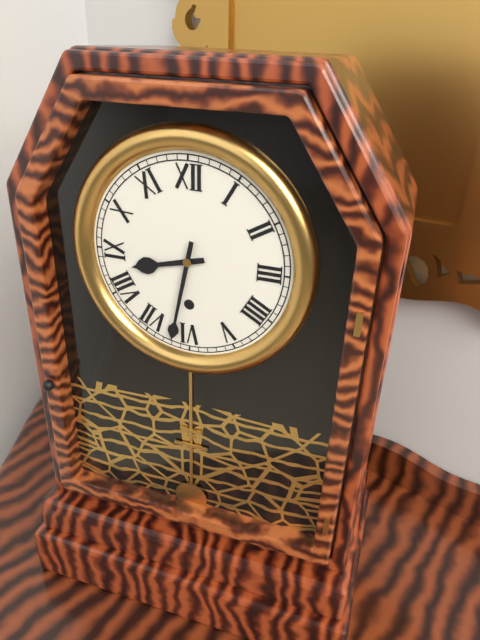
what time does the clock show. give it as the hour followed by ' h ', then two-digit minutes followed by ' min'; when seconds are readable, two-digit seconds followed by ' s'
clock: 8 h 32 min
